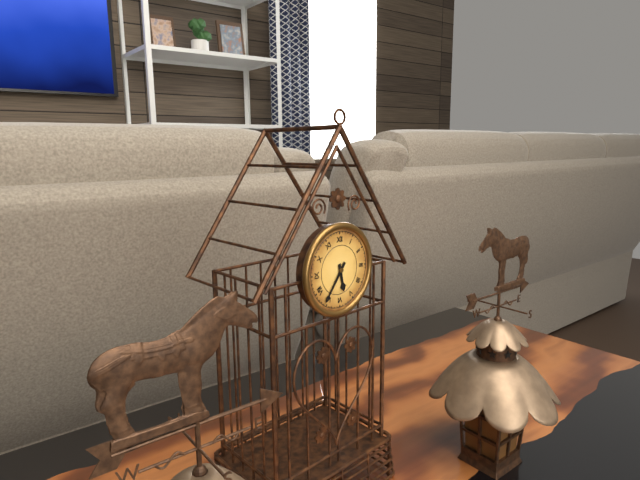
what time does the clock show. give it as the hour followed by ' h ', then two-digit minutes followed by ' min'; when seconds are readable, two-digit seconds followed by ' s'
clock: 5 h 36 min
